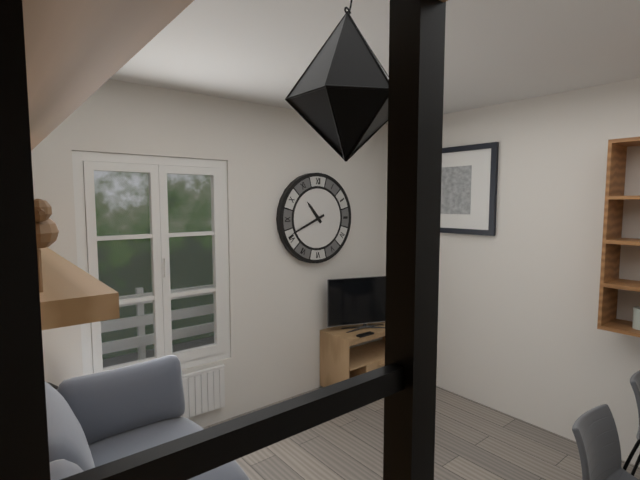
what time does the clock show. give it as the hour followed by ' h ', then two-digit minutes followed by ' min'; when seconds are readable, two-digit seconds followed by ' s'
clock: 10 h 41 min
